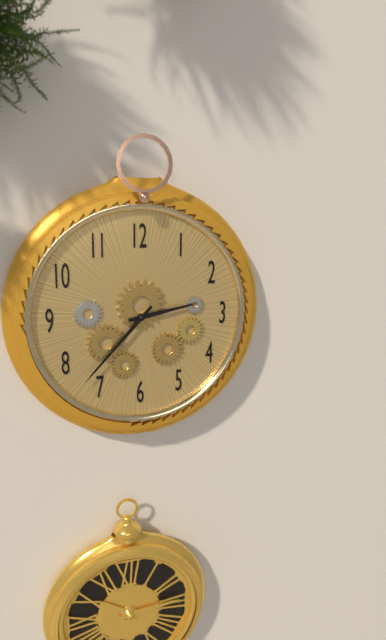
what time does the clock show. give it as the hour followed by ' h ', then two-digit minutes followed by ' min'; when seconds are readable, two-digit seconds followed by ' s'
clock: 2 h 37 min
